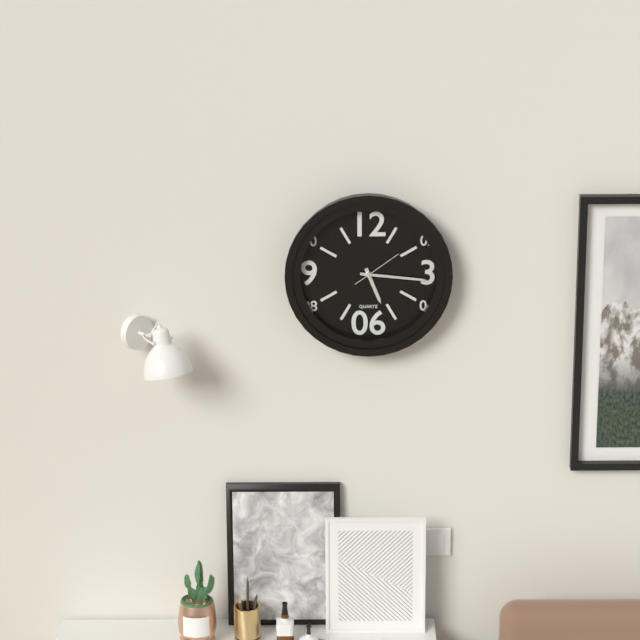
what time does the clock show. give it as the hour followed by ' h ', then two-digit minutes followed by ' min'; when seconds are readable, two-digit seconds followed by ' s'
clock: 5 h 16 min
